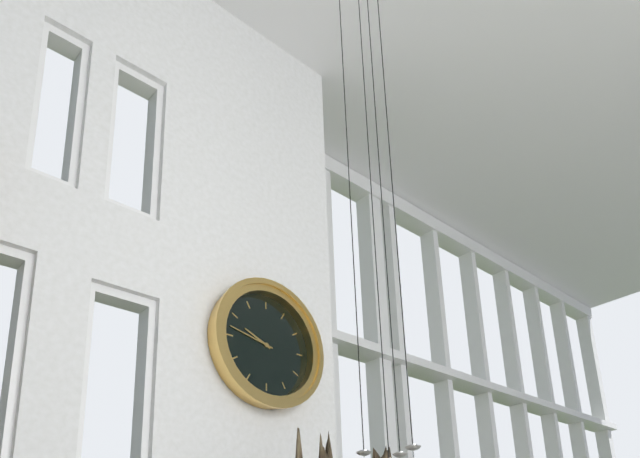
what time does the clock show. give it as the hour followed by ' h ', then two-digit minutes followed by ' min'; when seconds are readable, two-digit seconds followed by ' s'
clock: 9 h 47 min
